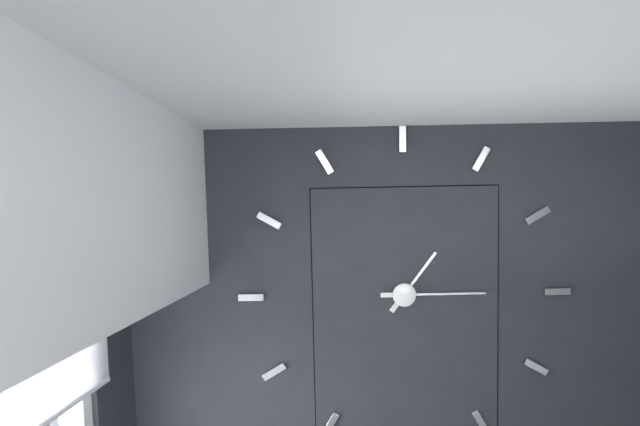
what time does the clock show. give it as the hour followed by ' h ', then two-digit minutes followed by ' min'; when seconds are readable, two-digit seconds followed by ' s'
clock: 1 h 15 min
